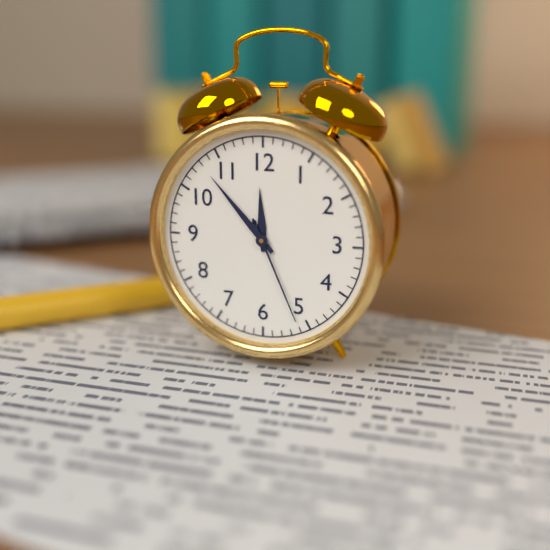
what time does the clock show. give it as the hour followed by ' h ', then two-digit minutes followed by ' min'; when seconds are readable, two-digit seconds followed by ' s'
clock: 11 h 53 min 26 s
